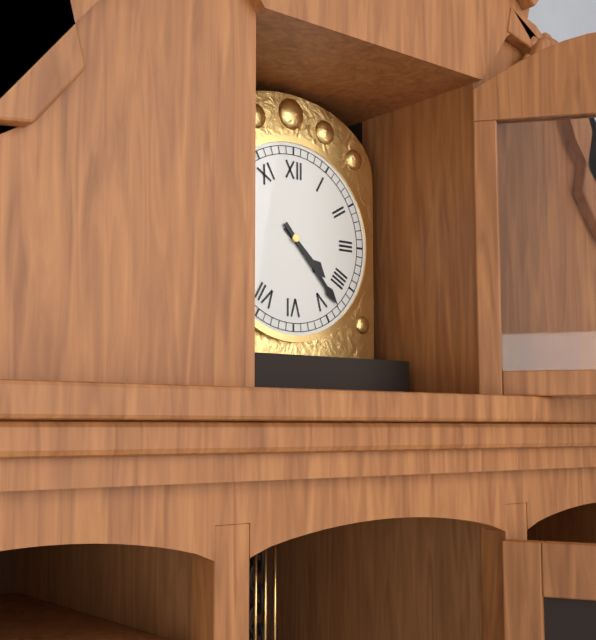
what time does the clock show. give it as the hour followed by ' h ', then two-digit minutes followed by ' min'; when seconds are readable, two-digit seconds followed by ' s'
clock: 4 h 23 min
